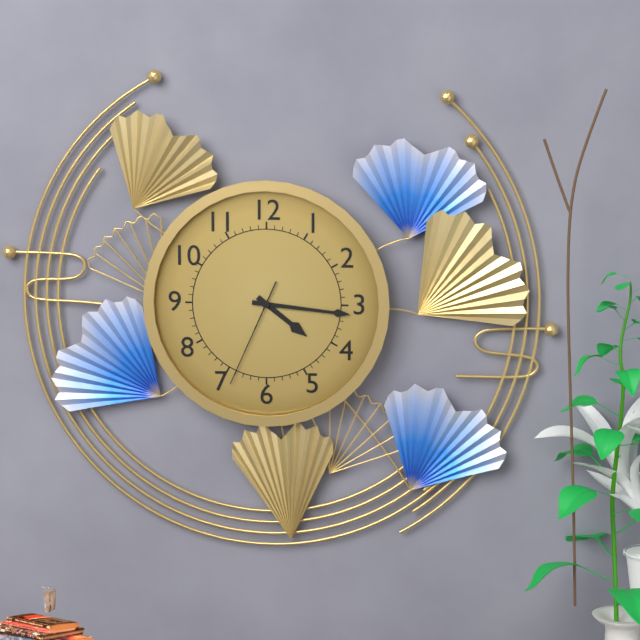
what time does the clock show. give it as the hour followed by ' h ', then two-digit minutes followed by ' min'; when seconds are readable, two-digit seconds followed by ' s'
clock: 4 h 16 min 34 s
